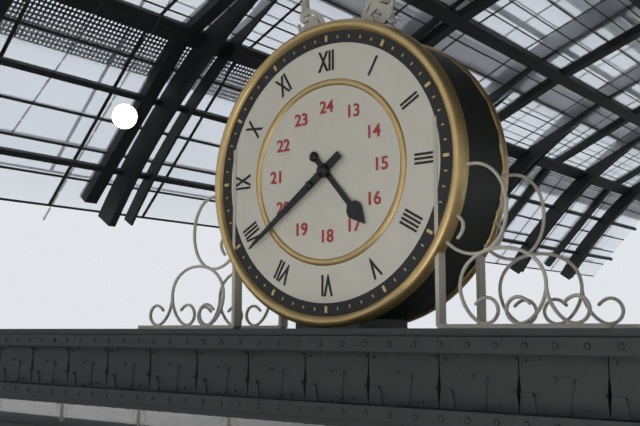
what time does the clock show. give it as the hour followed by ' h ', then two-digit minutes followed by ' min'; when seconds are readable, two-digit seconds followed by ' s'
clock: 4 h 39 min
